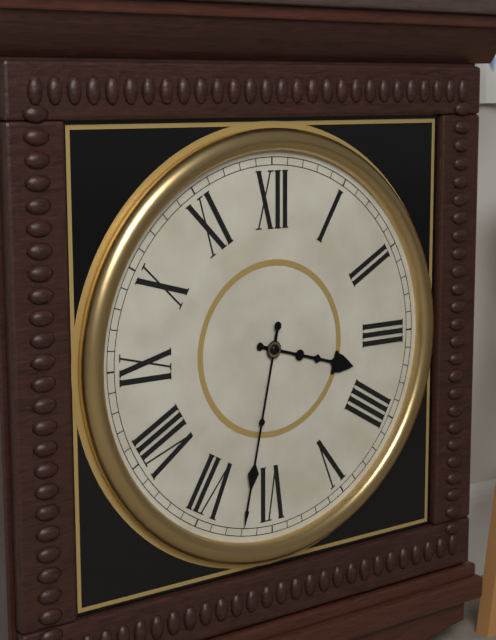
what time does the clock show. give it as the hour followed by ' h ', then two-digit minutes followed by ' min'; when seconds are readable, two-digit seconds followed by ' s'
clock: 3 h 32 min
